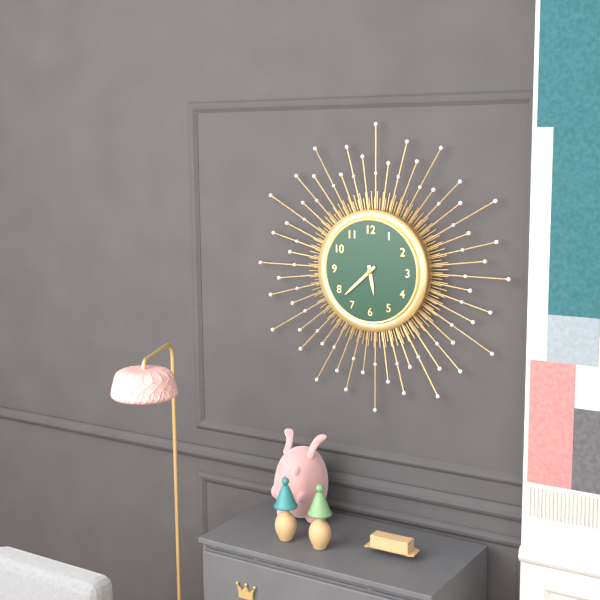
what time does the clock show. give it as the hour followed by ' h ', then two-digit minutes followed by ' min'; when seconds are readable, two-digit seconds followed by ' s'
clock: 5 h 38 min
